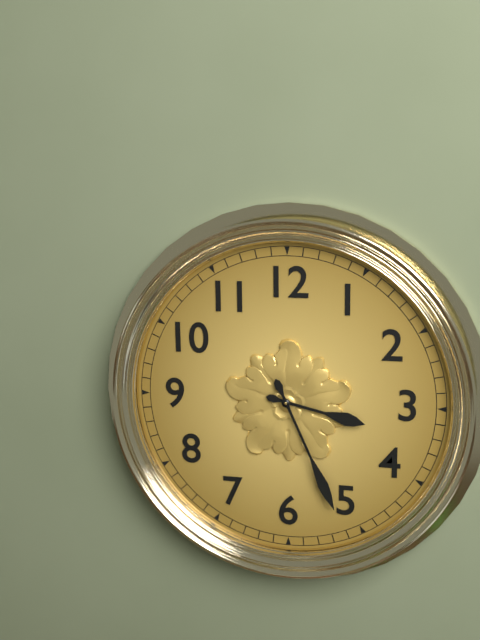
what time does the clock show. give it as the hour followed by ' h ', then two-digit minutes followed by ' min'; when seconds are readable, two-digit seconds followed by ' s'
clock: 3 h 26 min
